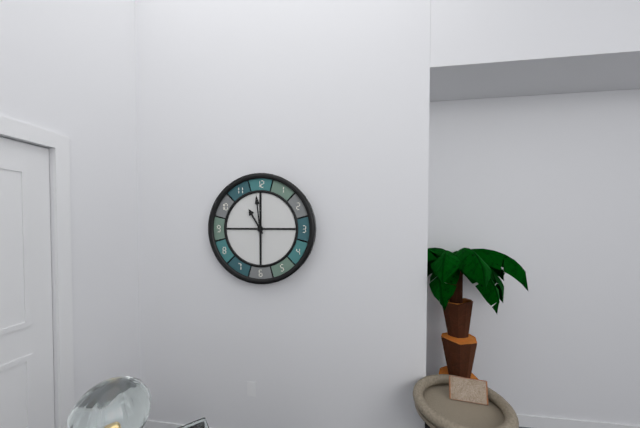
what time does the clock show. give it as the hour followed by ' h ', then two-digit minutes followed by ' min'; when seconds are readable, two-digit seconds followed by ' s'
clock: 10 h 59 min
